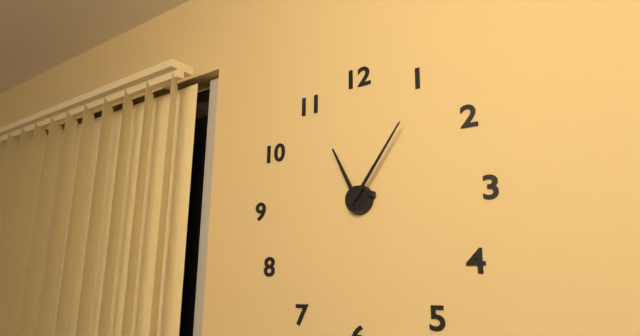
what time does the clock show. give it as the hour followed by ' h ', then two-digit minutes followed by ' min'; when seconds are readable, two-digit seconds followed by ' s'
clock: 11 h 06 min
